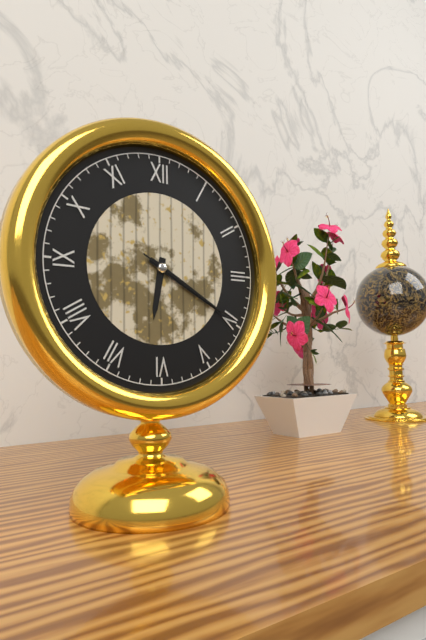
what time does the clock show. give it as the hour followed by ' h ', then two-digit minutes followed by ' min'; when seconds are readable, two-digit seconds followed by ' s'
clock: 6 h 20 min 20 s
